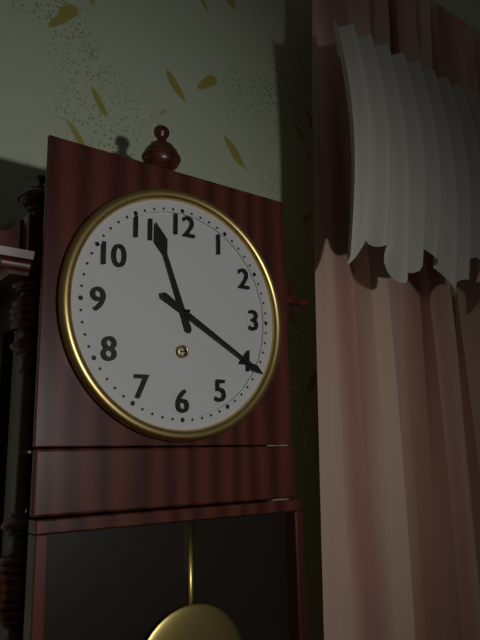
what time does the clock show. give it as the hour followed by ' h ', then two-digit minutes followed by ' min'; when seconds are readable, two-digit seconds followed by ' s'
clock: 11 h 20 min
